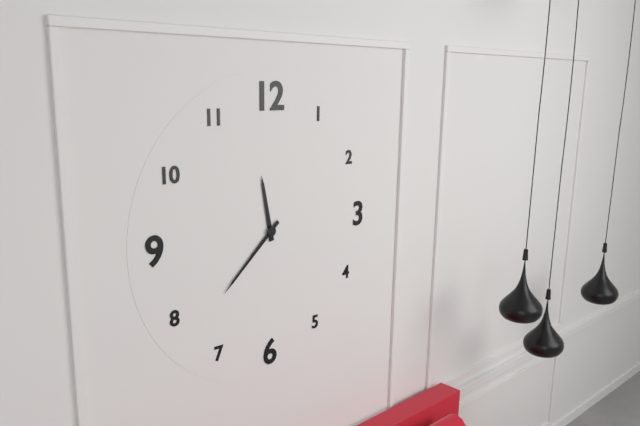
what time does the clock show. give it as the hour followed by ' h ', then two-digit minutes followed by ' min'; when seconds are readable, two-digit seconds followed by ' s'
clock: 11 h 38 min
